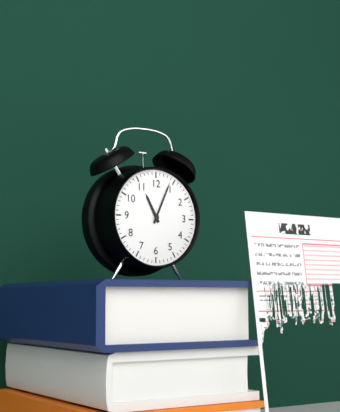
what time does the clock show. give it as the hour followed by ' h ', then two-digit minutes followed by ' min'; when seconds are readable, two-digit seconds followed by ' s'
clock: 11 h 04 min
